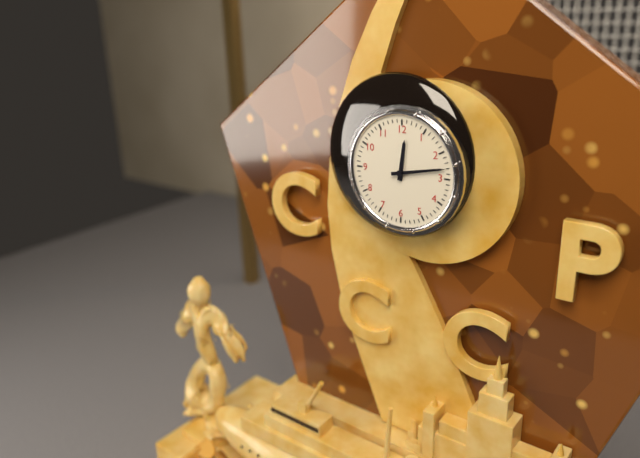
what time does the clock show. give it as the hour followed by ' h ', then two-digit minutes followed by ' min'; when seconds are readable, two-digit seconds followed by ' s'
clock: 12 h 13 min
